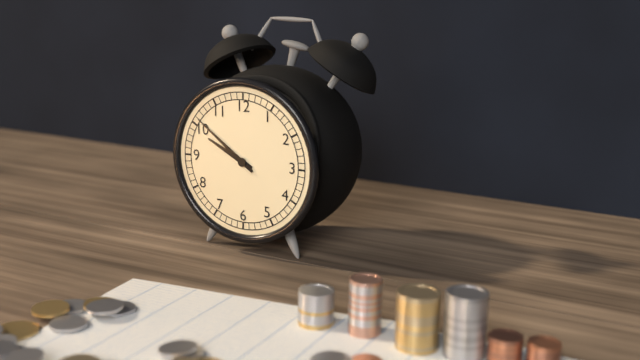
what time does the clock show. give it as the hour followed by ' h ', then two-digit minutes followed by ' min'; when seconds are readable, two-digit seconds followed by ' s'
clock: 9 h 51 min
